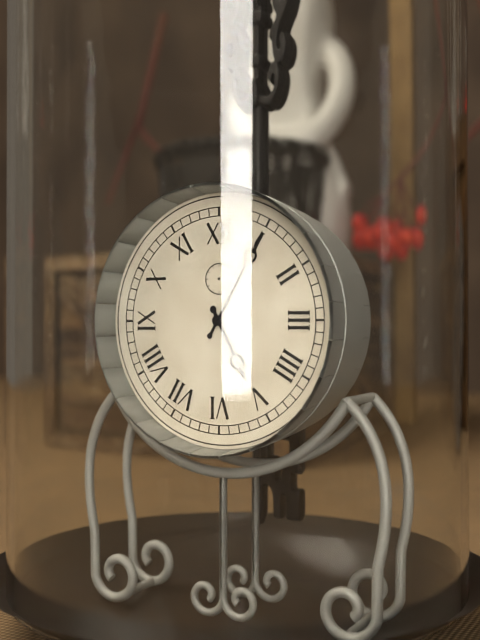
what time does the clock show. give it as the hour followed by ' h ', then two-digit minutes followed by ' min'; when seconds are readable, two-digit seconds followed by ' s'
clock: 5 h 05 min
